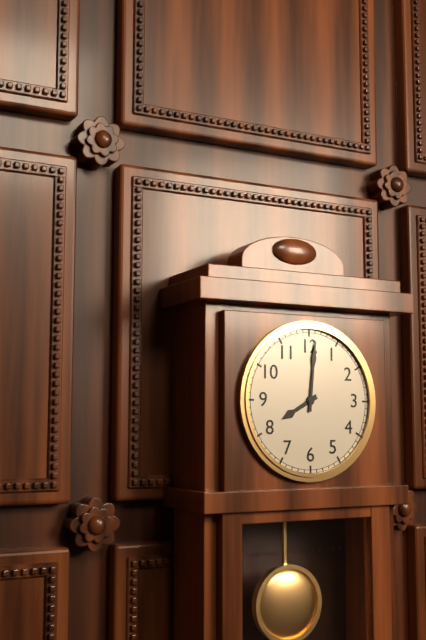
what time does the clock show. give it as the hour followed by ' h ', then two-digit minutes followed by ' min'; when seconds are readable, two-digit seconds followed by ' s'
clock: 8 h 01 min
